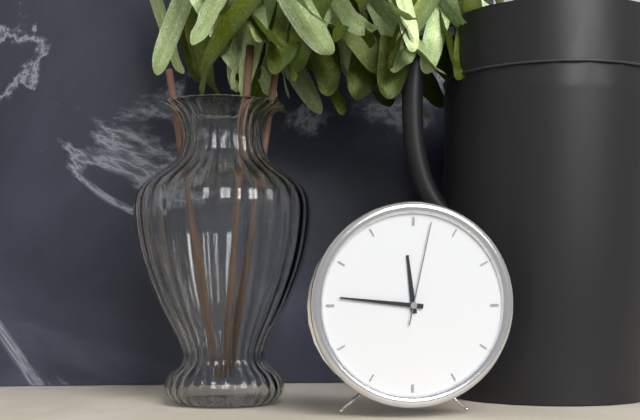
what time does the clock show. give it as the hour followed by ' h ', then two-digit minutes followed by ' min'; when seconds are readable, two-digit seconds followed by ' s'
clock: 11 h 46 min 02 s
